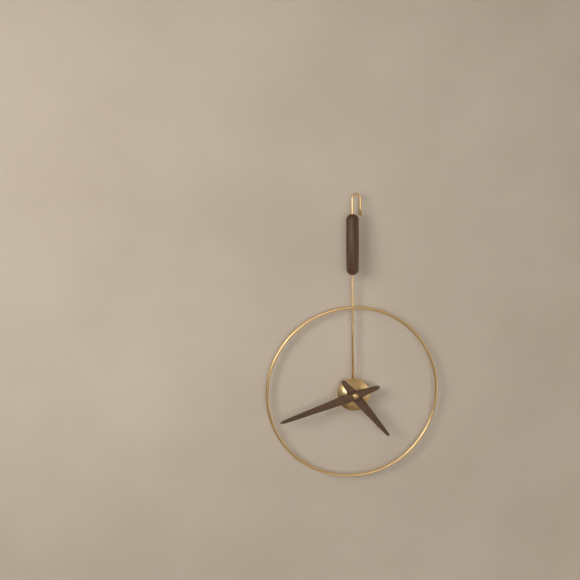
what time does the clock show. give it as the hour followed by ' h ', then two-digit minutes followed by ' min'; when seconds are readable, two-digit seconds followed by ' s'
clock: 4 h 42 min
